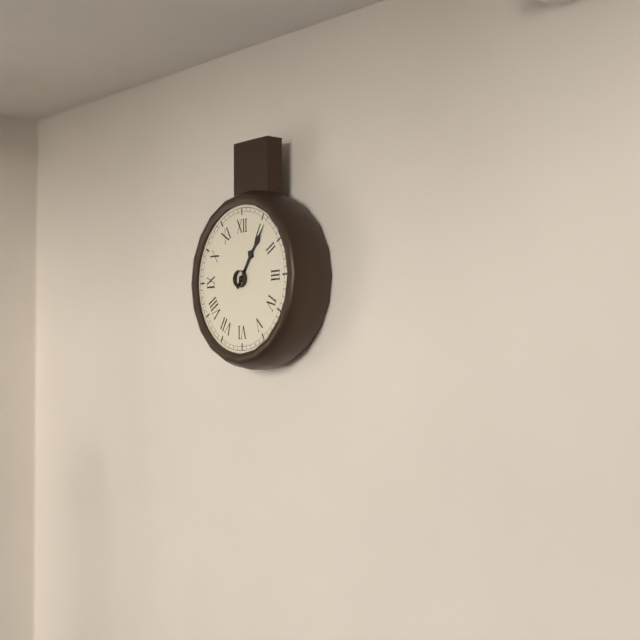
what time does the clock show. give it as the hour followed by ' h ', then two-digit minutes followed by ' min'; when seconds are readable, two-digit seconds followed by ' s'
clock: 1 h 06 min
